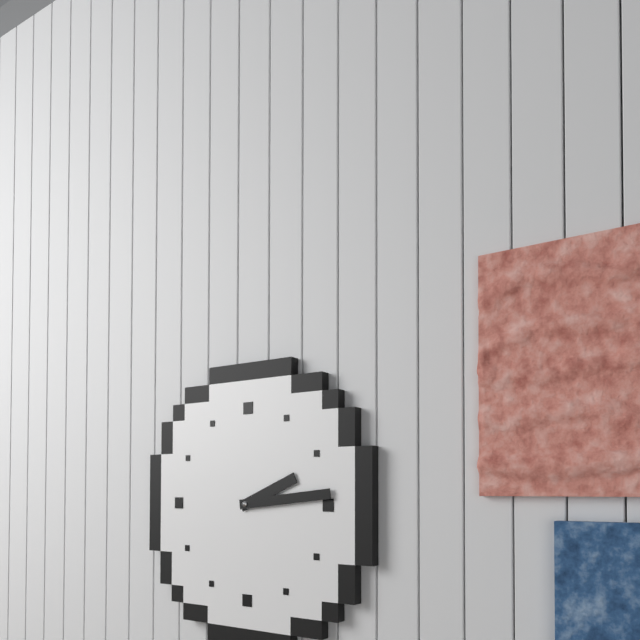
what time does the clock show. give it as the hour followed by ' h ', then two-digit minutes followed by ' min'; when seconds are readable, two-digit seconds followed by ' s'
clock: 2 h 14 min
